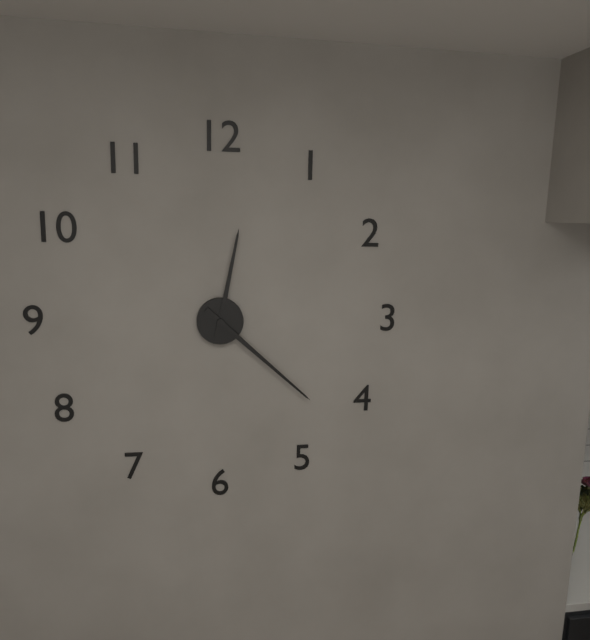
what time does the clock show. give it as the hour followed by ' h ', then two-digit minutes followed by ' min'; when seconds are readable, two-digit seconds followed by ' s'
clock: 12 h 22 min
